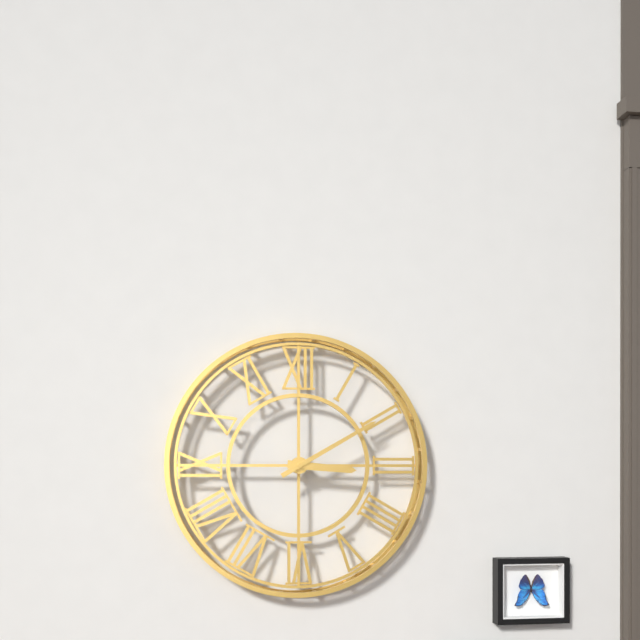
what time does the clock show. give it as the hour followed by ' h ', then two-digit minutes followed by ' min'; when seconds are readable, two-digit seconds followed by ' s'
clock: 3 h 10 min
